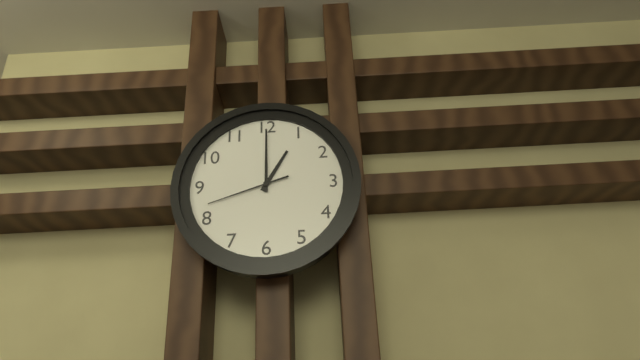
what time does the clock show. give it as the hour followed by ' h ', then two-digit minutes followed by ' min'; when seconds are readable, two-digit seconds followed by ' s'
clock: 1 h 00 min 42 s
